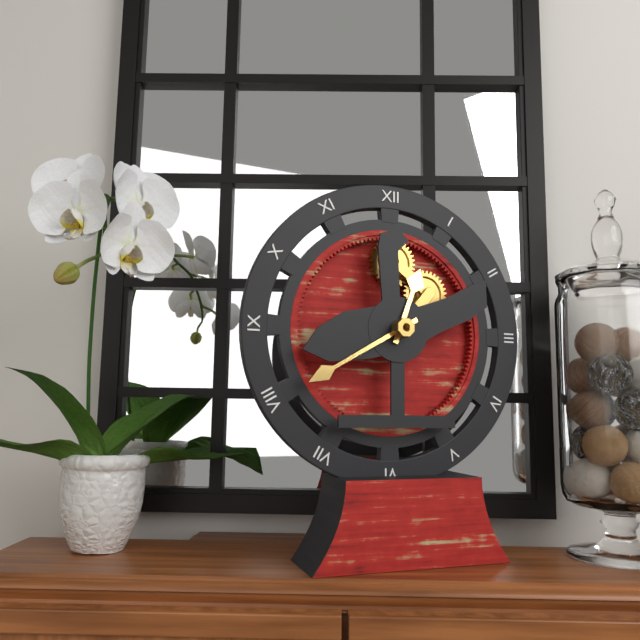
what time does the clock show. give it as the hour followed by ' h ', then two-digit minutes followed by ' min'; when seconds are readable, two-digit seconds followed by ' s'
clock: 12 h 40 min
